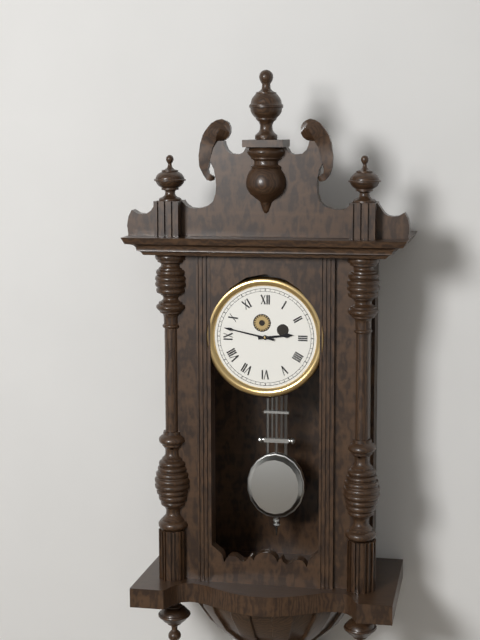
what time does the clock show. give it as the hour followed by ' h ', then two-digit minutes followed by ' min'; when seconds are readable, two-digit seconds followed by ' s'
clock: 2 h 47 min
